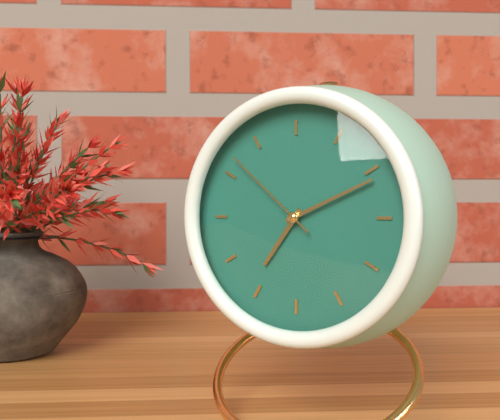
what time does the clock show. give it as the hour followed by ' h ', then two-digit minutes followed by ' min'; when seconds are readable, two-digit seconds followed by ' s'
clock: 7 h 11 min 52 s
